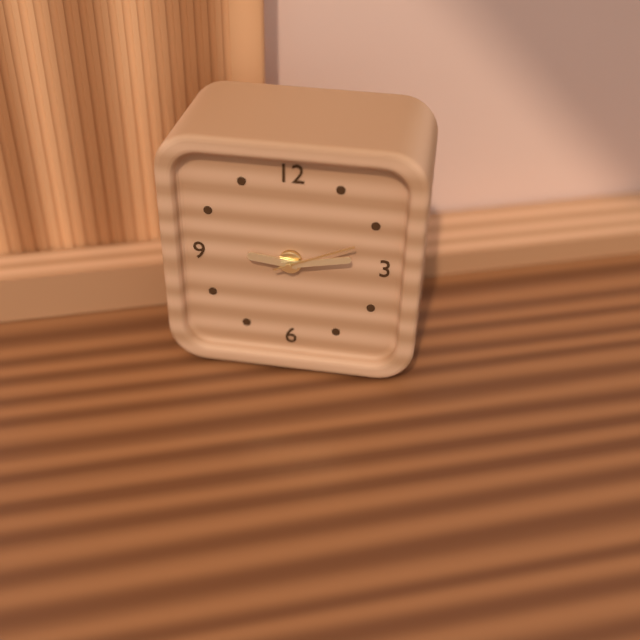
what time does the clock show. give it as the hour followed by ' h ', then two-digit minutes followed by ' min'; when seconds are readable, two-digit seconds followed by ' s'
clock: 9 h 13 min 11 s
